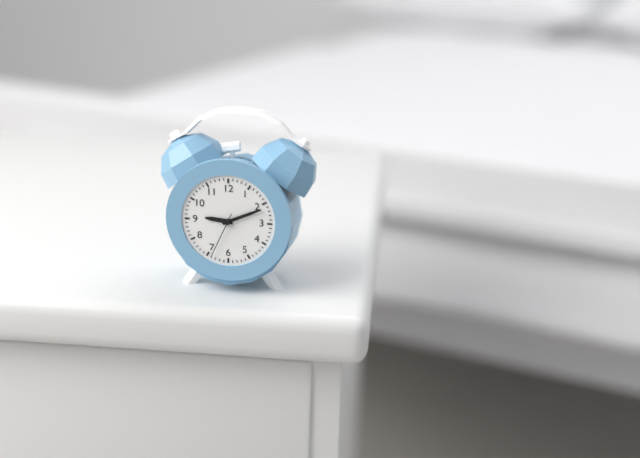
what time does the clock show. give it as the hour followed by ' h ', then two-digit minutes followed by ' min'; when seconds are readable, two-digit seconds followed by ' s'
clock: 9 h 11 min 34 s
